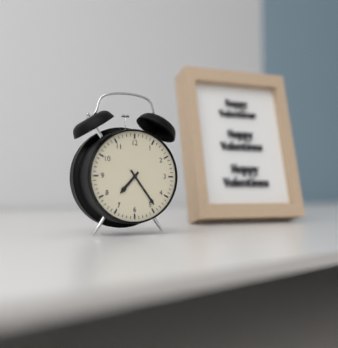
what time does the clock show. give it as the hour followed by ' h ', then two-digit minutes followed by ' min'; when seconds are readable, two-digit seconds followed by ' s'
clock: 7 h 24 min
